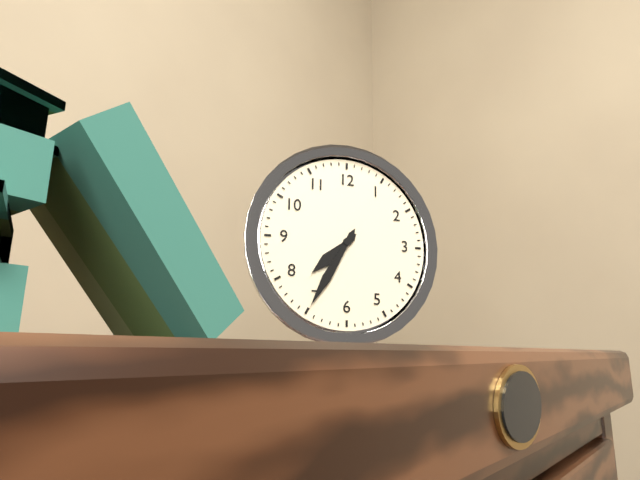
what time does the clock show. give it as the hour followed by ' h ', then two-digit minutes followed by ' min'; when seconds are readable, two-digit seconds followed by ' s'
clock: 7 h 35 min
